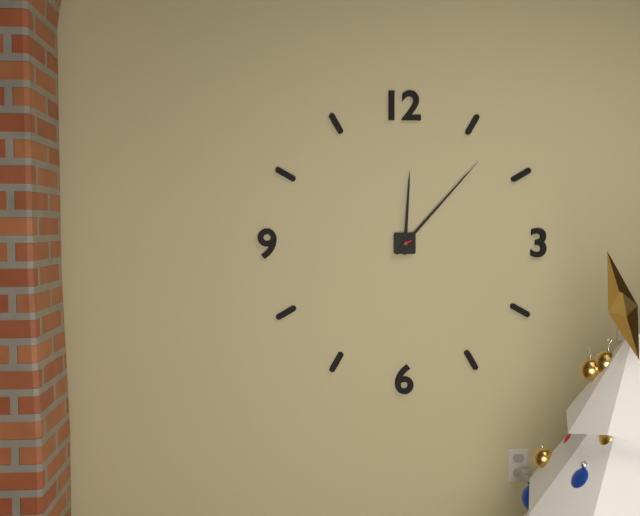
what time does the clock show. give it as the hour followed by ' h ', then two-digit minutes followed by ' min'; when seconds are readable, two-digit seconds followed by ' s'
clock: 12 h 07 min
